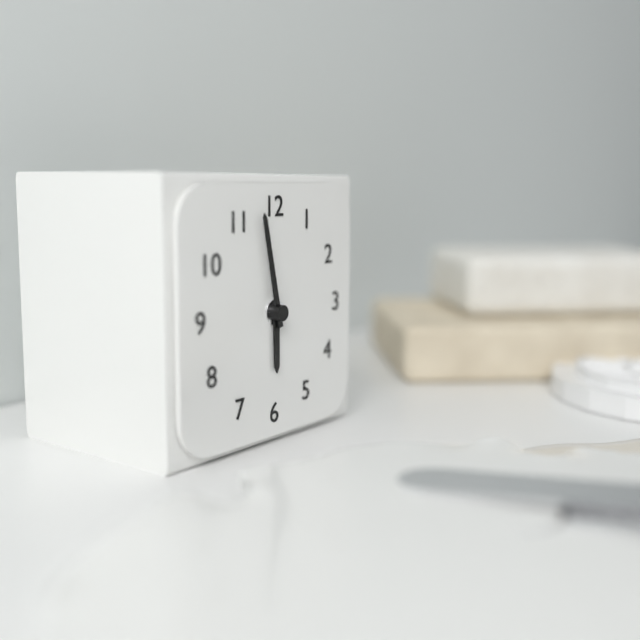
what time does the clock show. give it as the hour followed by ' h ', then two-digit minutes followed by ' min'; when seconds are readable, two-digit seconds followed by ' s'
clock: 5 h 58 min
